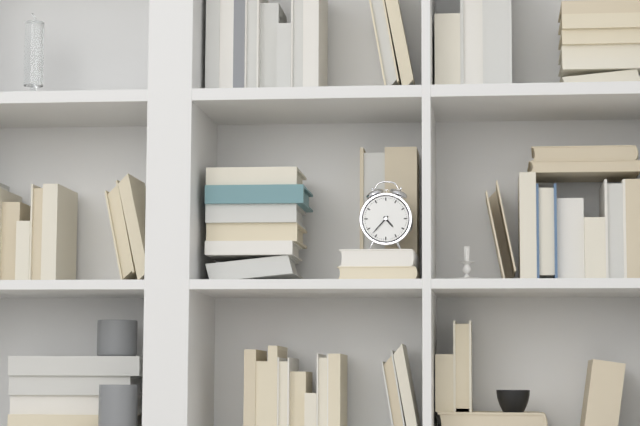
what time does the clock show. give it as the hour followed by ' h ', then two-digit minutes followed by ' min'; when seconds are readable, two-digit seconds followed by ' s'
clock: 4 h 37 min
